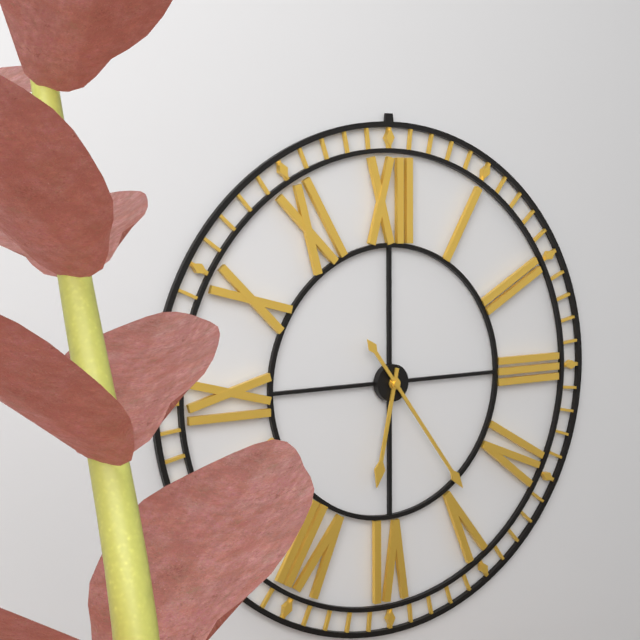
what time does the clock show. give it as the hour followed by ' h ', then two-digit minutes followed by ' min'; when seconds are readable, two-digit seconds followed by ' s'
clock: 6 h 24 min
